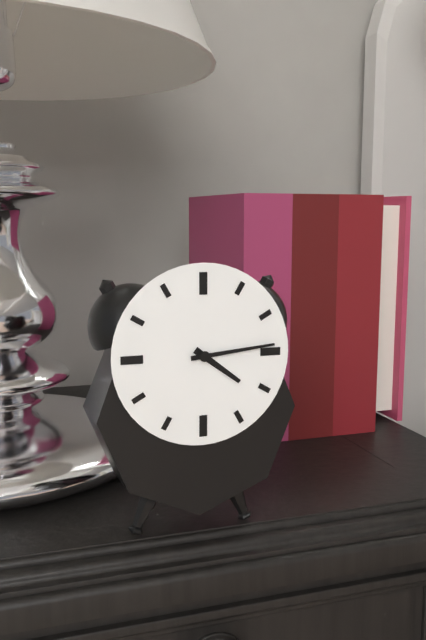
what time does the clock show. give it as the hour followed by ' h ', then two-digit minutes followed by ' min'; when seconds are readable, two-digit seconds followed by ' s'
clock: 4 h 14 min
